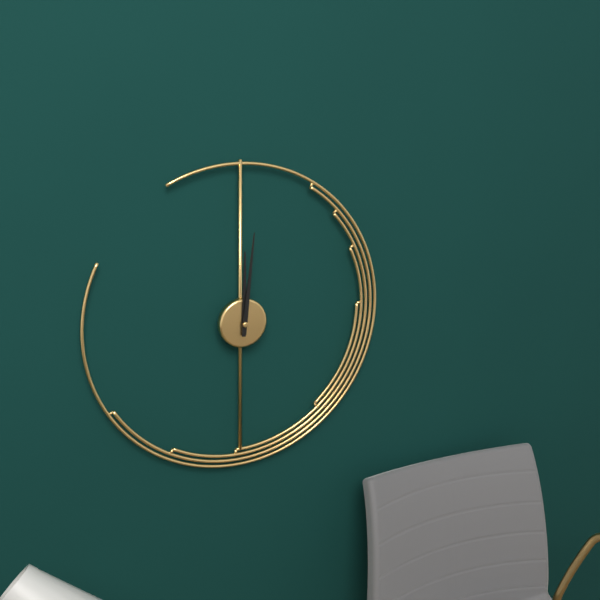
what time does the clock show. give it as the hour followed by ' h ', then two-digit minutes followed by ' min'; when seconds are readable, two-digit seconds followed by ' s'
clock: 12 h 01 min
